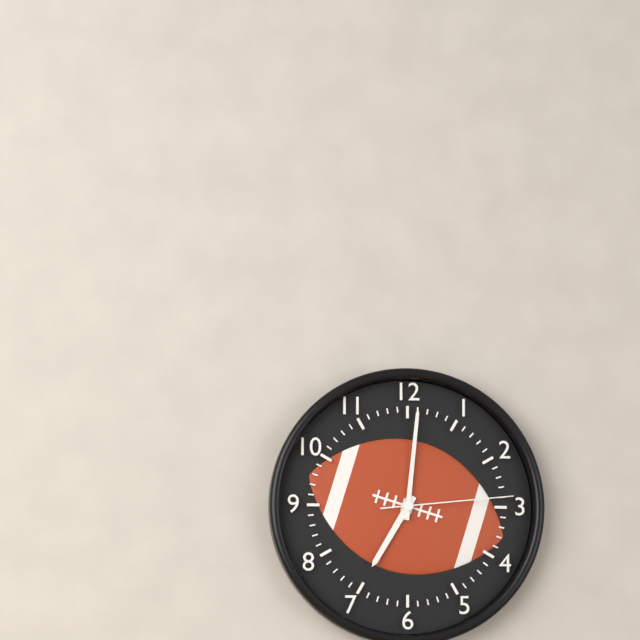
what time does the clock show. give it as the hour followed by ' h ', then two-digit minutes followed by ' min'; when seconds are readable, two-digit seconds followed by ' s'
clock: 7 h 01 min 14 s
